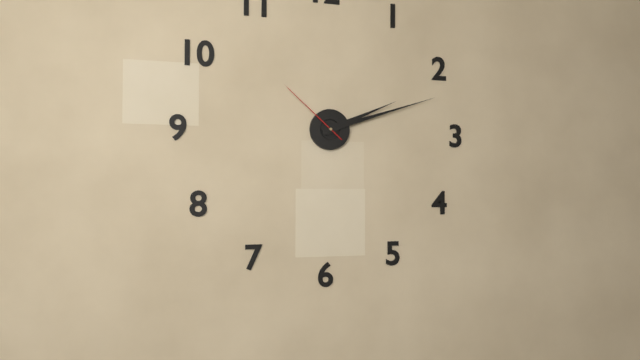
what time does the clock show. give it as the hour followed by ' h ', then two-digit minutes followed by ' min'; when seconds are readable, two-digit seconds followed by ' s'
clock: 2 h 12 min 52 s
